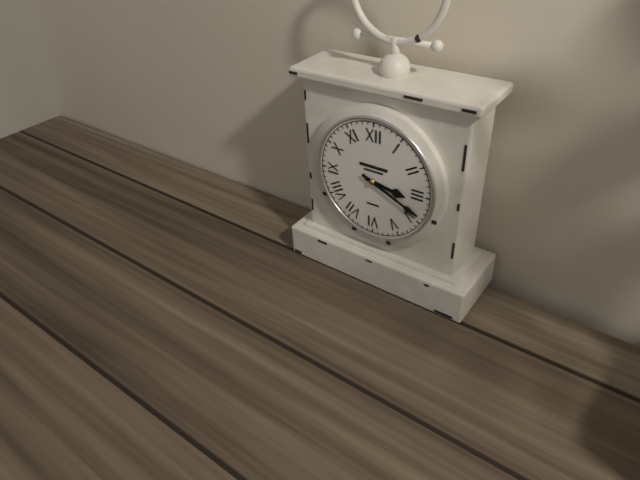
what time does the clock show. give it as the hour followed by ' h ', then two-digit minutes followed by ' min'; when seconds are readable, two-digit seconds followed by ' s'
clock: 3 h 19 min
